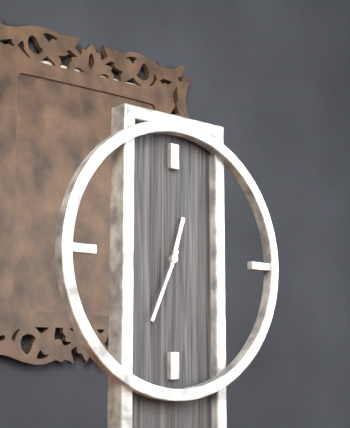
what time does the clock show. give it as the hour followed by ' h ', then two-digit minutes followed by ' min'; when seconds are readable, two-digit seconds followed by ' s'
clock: 12 h 34 min
